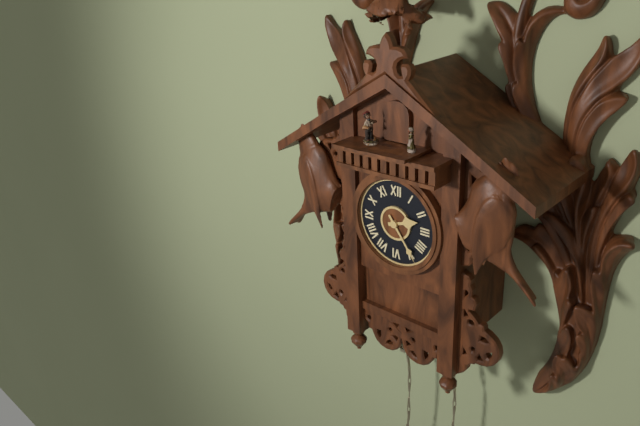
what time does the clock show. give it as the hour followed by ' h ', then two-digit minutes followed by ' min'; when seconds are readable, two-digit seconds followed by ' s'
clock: 2 h 24 min
